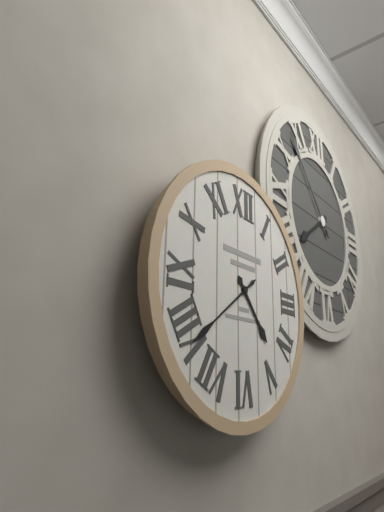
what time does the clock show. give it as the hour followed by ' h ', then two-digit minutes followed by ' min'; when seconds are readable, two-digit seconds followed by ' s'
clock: 4 h 39 min
